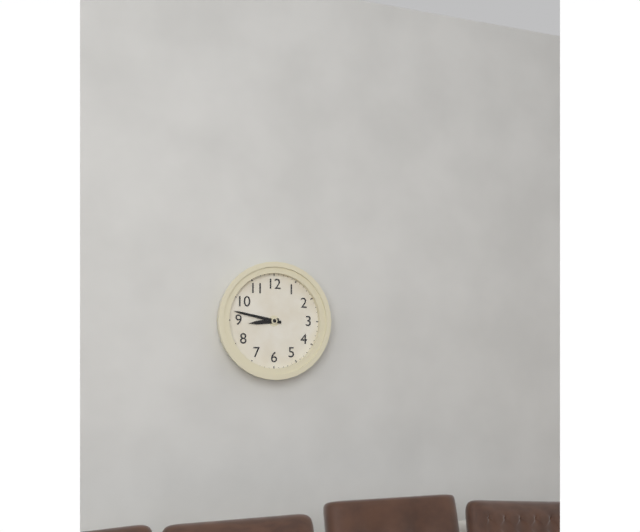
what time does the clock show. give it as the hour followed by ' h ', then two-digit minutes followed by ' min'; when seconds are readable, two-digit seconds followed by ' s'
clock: 8 h 47 min
